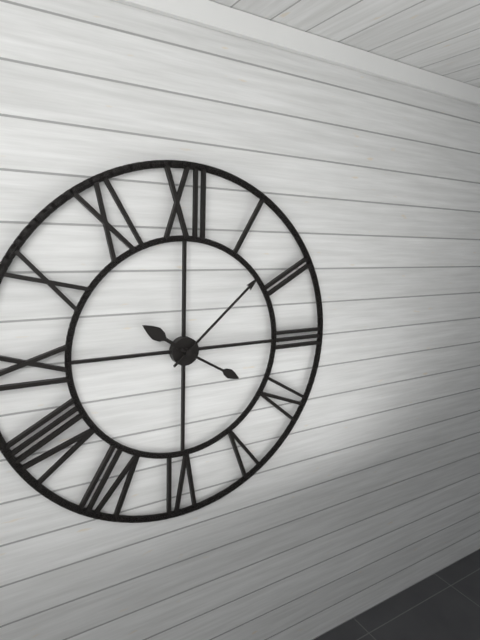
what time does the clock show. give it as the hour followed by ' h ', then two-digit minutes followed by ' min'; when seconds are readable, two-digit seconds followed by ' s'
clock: 10 h 08 min 20 s
